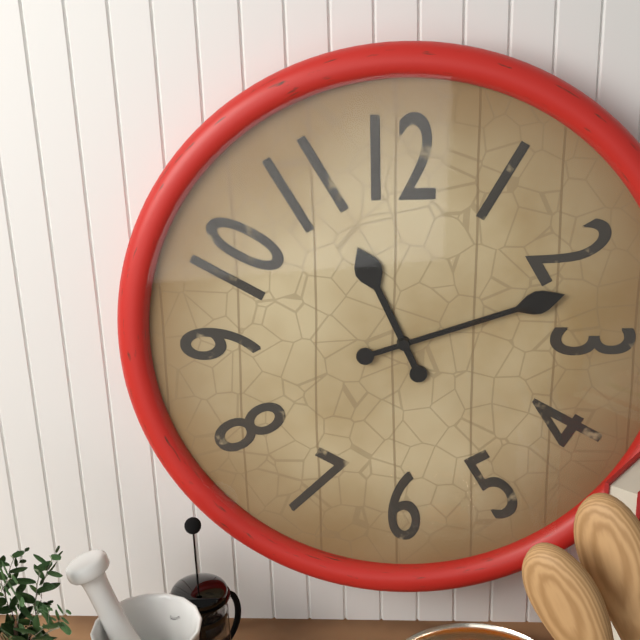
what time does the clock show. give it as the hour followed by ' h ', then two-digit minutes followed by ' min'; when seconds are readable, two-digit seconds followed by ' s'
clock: 11 h 12 min
